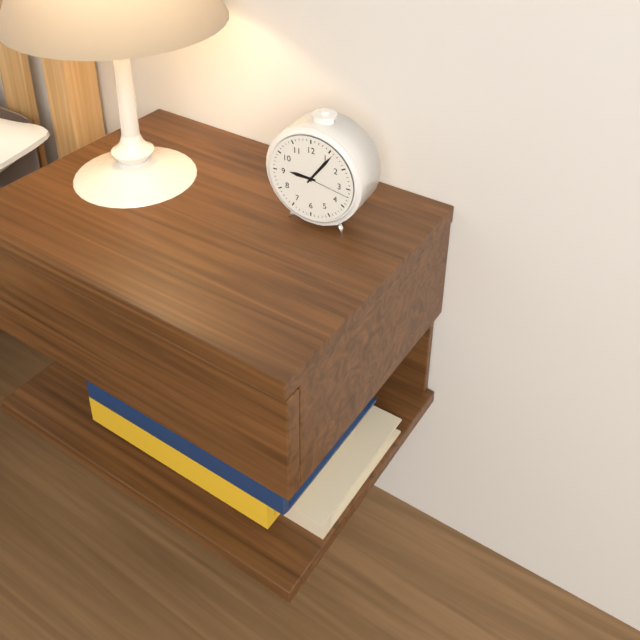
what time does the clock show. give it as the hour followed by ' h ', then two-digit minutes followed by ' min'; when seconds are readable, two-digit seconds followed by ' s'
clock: 9 h 06 min 17 s
